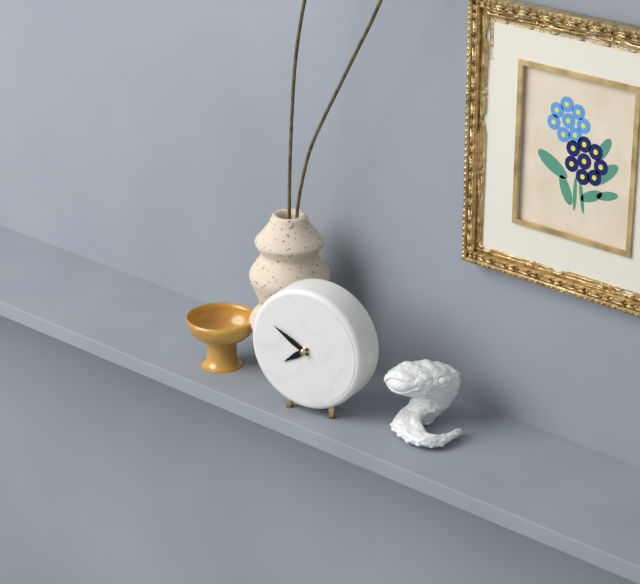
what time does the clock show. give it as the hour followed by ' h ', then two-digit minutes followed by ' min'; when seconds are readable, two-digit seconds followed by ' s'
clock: 7 h 50 min
